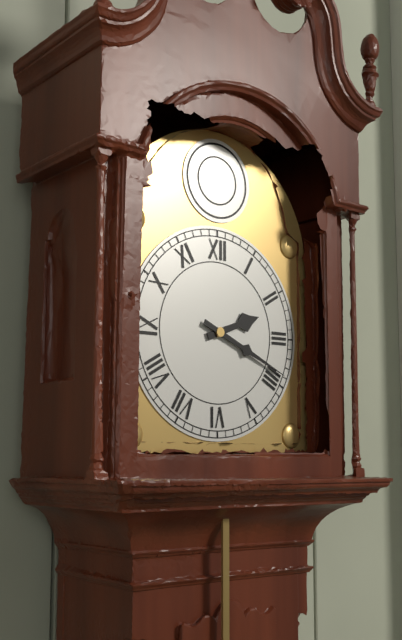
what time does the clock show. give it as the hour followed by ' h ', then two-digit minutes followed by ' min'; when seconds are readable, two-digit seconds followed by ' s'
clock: 2 h 19 min
